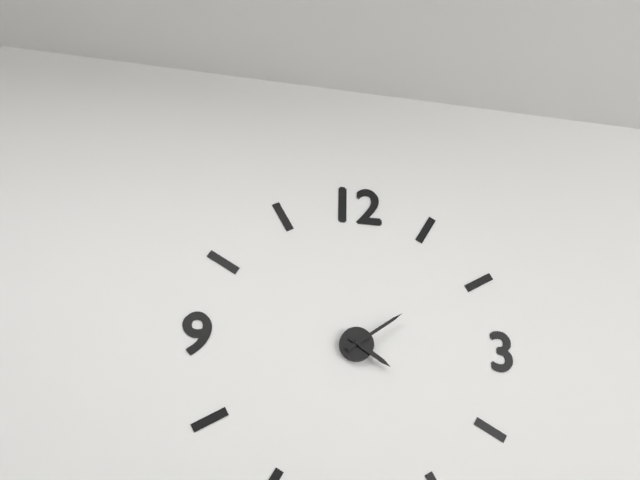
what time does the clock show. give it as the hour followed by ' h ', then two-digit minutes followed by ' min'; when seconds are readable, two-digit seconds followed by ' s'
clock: 4 h 09 min
